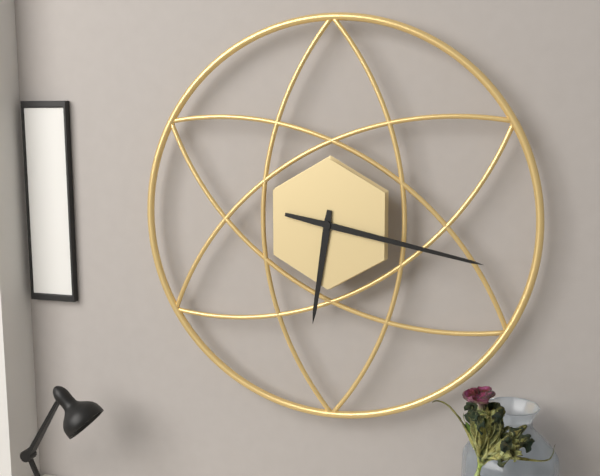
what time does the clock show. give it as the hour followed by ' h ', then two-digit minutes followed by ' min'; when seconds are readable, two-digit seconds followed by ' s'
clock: 6 h 17 min
